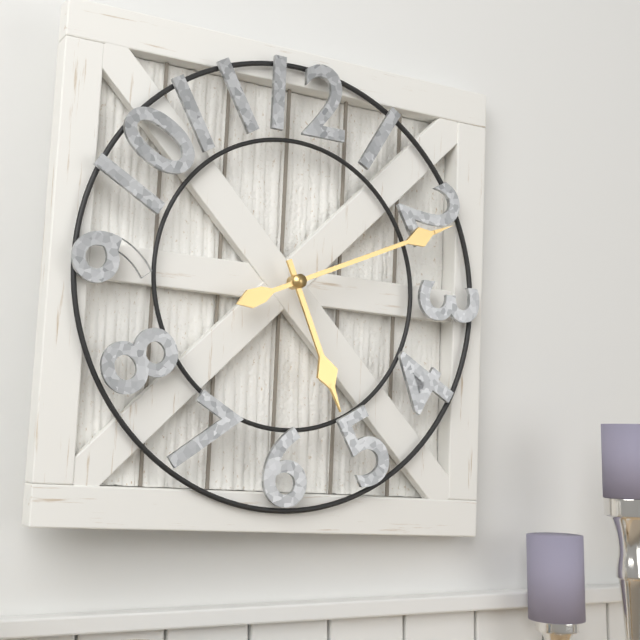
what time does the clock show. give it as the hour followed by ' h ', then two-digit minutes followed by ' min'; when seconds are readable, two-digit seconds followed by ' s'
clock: 5 h 11 min
